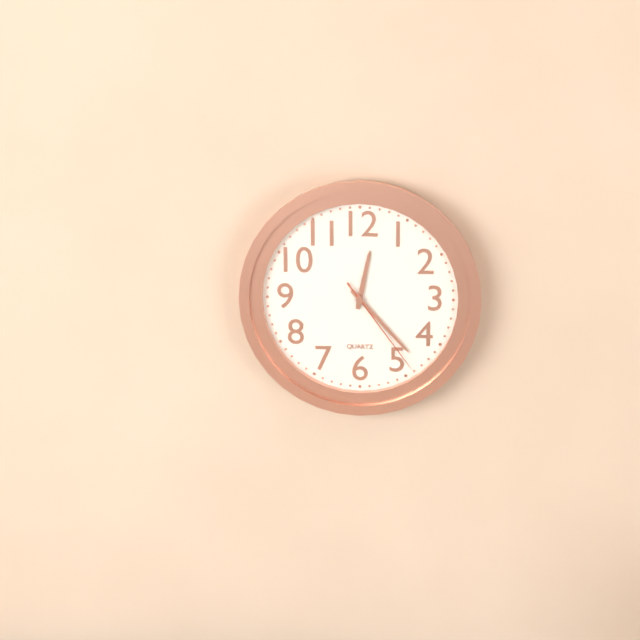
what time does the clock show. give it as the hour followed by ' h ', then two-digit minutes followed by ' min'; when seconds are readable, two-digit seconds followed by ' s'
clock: 12 h 23 min 24 s
